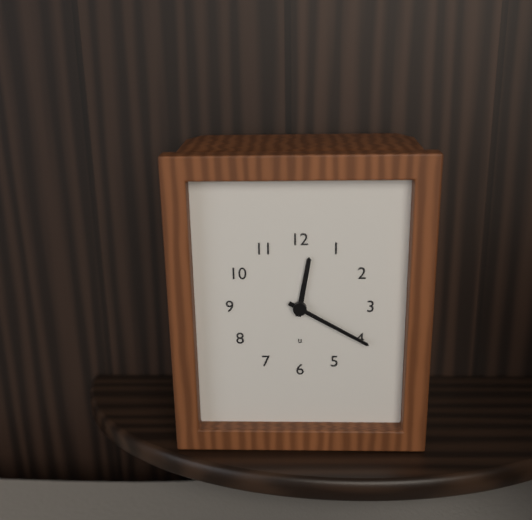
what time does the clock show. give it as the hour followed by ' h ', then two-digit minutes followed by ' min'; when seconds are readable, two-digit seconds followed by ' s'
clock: 12 h 20 min
